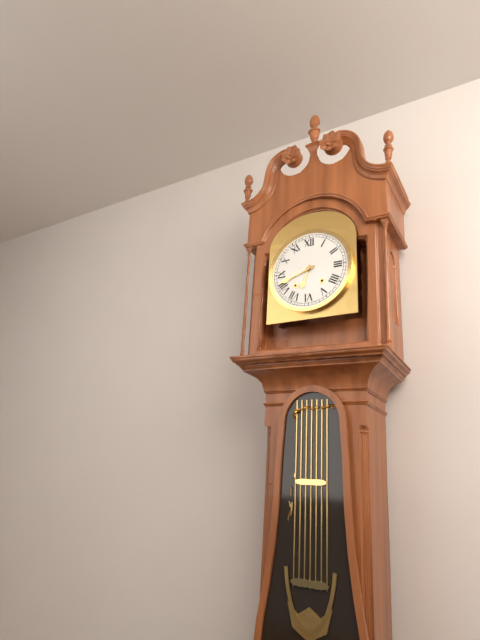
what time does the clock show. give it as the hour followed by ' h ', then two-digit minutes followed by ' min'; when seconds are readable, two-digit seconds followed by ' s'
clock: 6 h 42 min
